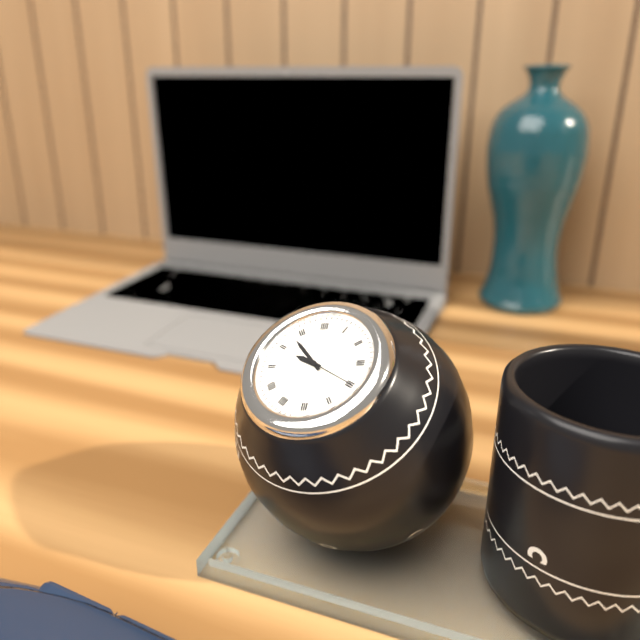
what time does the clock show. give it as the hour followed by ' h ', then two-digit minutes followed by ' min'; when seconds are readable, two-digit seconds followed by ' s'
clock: 9 h 53 min 20 s
